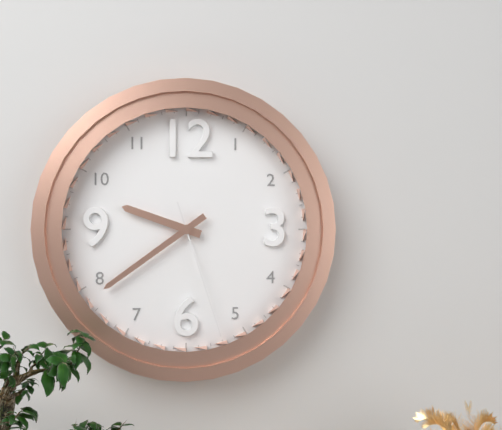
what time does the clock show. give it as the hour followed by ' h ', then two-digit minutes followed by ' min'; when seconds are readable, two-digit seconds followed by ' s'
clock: 9 h 39 min 27 s
